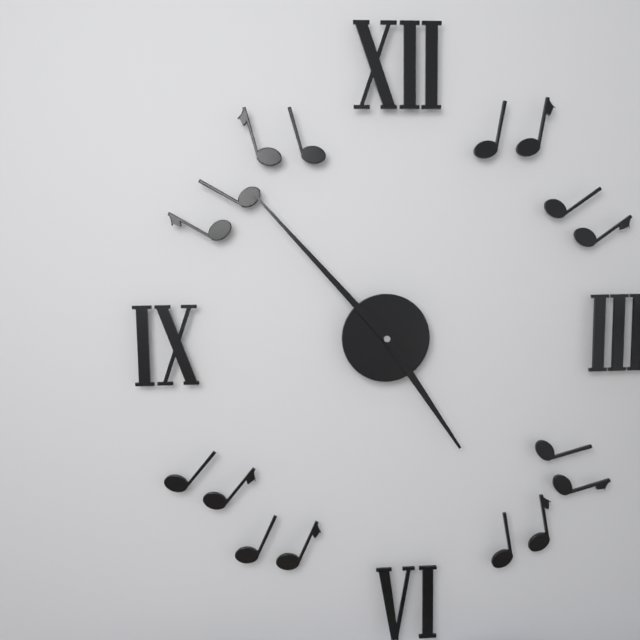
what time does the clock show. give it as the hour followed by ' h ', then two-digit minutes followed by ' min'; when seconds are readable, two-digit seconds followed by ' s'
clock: 4 h 53 min
